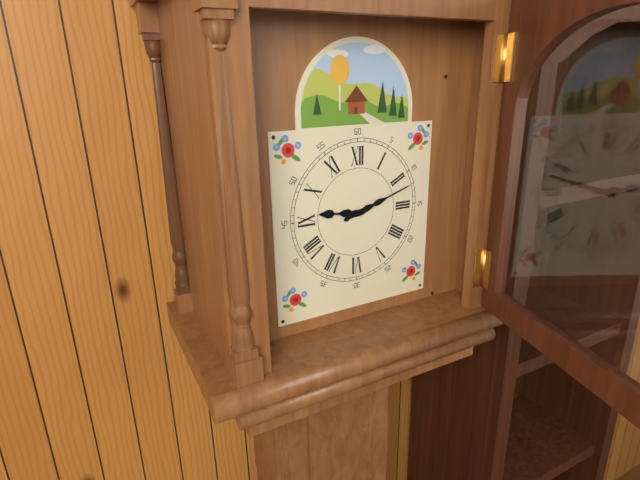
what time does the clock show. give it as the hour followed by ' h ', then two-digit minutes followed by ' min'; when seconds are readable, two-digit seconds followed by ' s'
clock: 9 h 12 min
